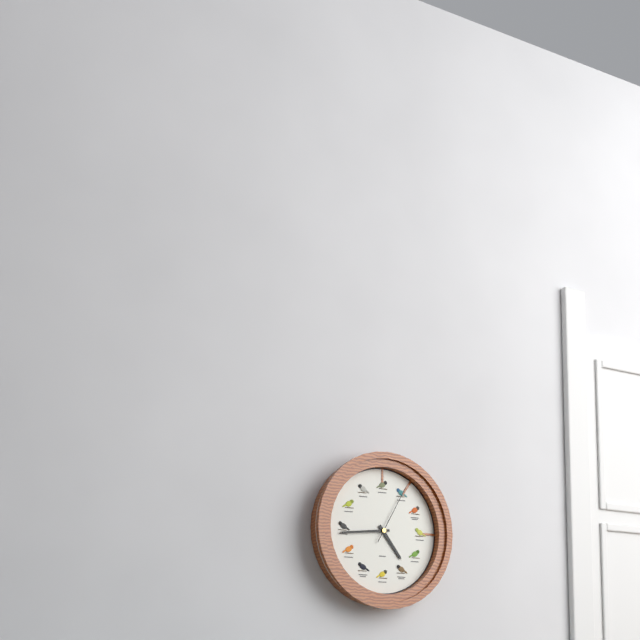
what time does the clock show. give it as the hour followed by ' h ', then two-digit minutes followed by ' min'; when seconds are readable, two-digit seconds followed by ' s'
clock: 4 h 44 min 05 s
